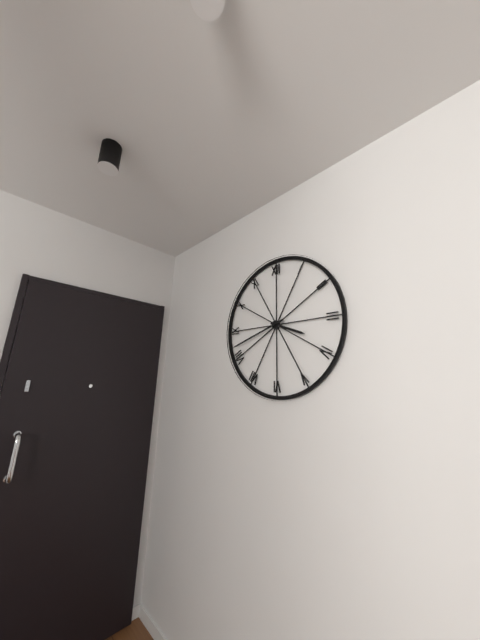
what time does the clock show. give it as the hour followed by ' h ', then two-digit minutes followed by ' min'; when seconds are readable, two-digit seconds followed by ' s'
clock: 3 h 42 min
